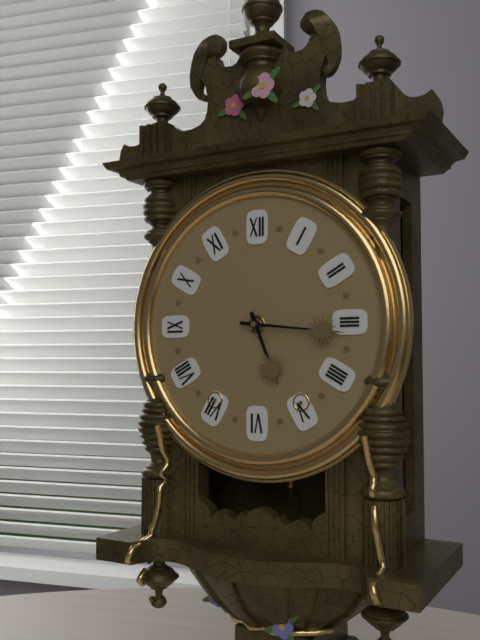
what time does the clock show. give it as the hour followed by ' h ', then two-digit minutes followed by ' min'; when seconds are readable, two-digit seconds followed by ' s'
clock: 5 h 16 min
